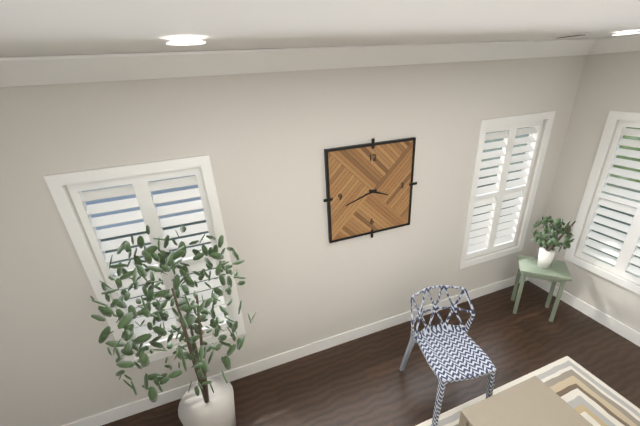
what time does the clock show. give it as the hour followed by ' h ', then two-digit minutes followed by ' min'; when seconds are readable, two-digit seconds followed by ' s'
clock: 3 h 42 min
